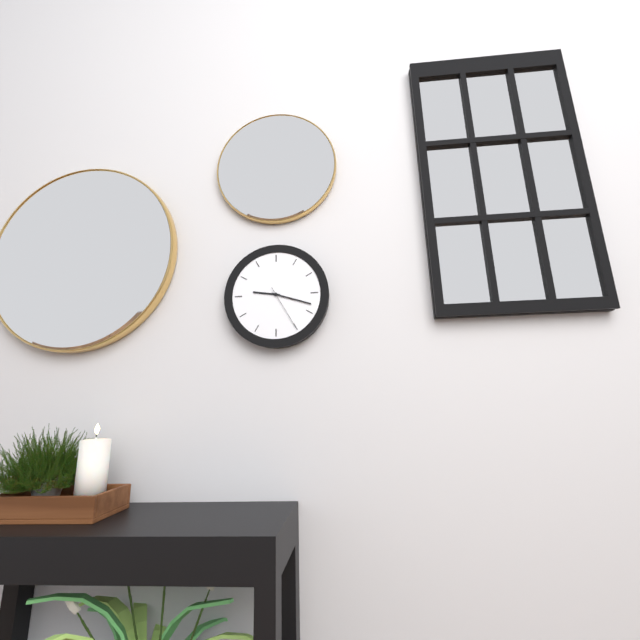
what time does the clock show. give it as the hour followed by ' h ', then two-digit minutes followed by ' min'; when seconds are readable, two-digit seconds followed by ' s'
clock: 9 h 18 min
